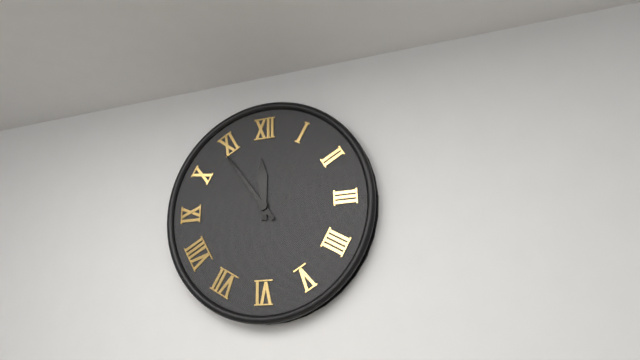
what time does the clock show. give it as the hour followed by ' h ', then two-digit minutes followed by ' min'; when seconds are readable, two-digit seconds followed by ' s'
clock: 11 h 54 min
